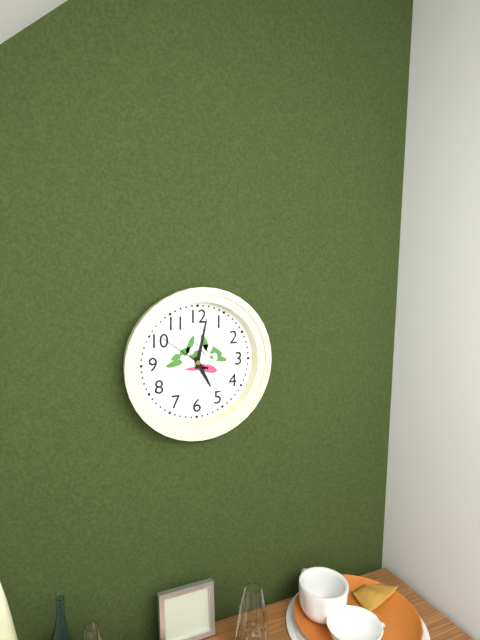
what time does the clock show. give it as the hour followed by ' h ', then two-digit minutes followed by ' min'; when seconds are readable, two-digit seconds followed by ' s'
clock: 5 h 02 min 51 s
